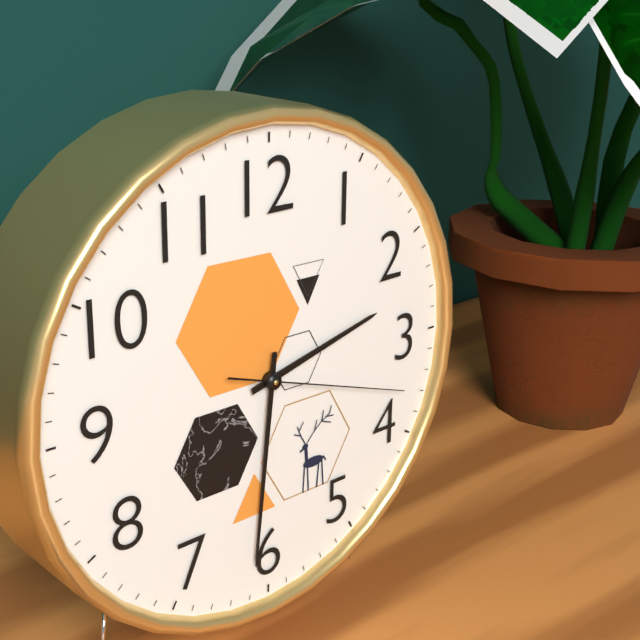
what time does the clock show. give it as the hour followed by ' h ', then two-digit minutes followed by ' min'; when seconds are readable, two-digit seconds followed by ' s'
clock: 2 h 31 min 18 s
